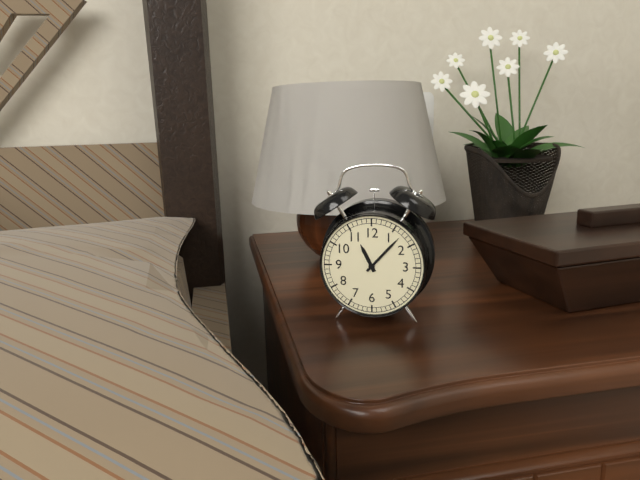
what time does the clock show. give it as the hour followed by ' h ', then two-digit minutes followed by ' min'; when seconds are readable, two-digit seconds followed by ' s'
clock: 11 h 07 min
